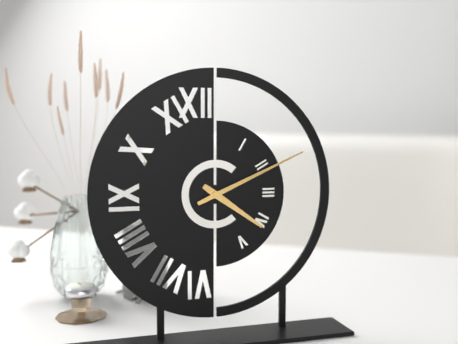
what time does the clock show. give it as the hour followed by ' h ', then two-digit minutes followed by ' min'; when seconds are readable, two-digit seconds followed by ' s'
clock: 4 h 11 min
